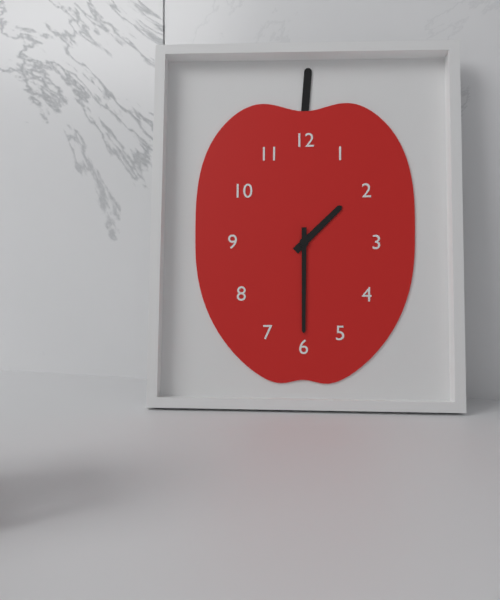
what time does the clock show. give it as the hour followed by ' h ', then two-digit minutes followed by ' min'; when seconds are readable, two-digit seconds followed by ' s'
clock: 1 h 30 min
